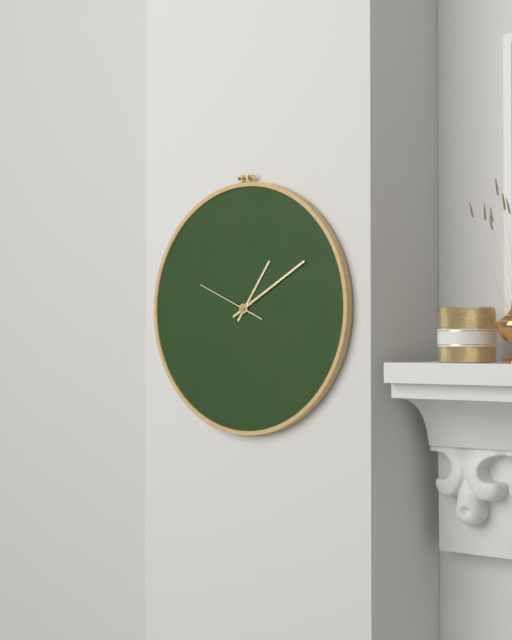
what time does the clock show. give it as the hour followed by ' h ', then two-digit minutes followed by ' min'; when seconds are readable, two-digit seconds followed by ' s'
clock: 1 h 10 min 49 s
